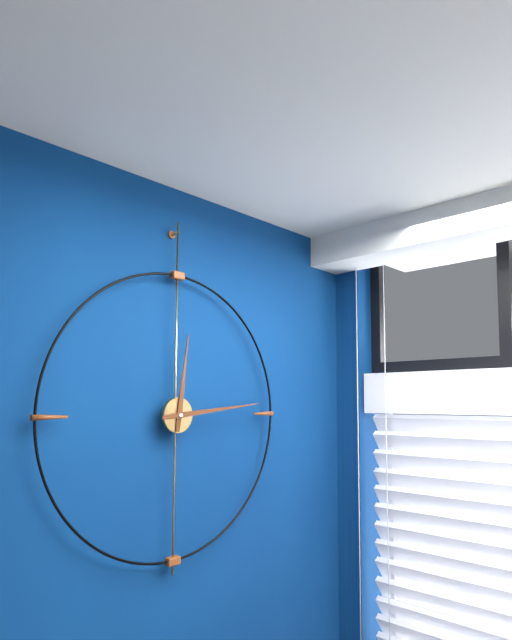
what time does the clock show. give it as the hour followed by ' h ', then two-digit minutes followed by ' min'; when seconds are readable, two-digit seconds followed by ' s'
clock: 12 h 14 min
